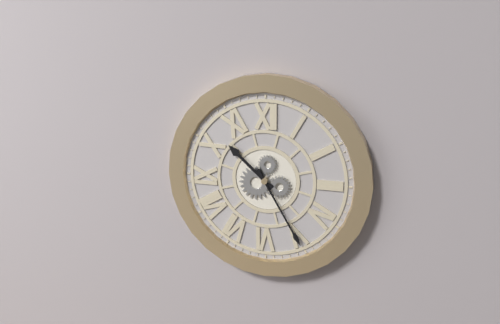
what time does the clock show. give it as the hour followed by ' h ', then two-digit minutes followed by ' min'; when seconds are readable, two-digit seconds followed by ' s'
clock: 10 h 25 min
